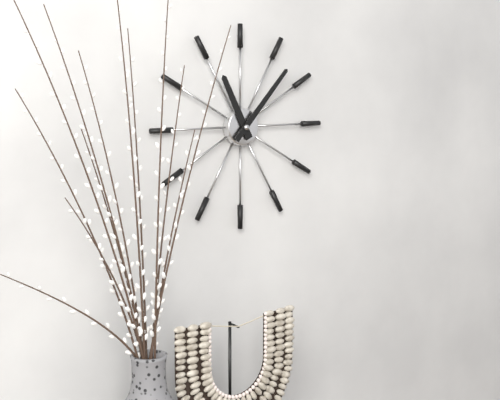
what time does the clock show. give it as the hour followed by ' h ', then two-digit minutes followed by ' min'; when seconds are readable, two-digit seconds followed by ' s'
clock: 11 h 07 min
